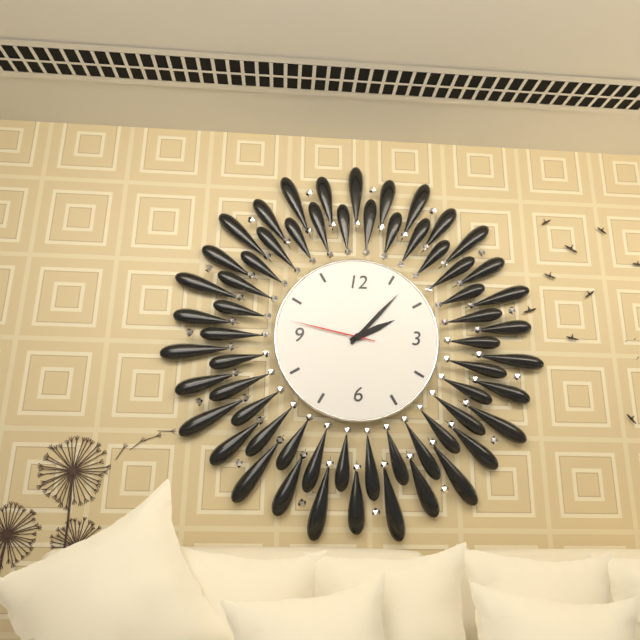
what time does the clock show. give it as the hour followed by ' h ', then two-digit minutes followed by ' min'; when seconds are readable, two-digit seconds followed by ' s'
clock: 2 h 07 min 47 s
